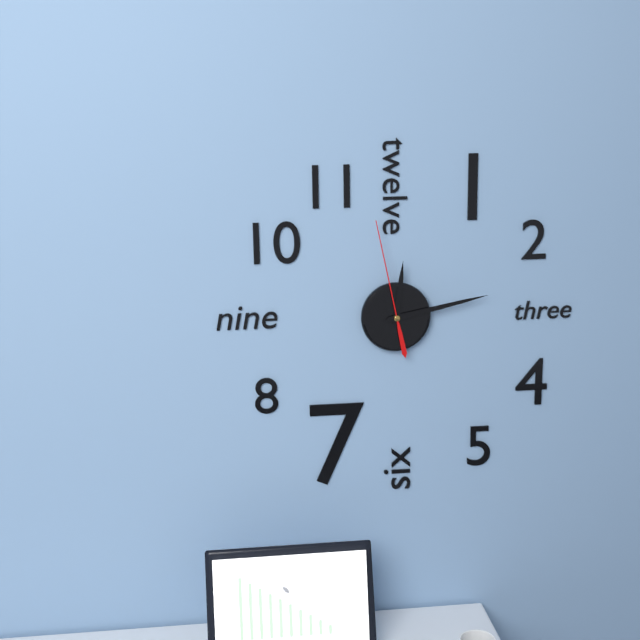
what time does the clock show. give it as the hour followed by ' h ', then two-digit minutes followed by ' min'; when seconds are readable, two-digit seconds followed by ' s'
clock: 12 h 13 min 58 s
